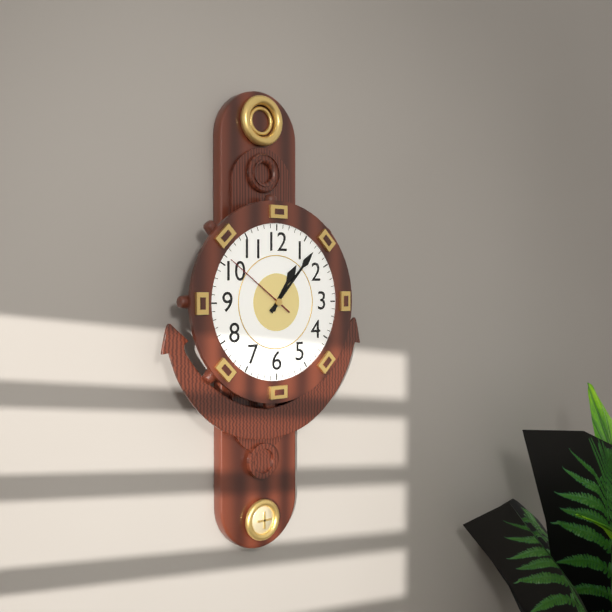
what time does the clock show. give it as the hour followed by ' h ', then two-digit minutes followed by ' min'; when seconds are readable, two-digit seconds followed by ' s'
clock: 1 h 07 min 51 s
